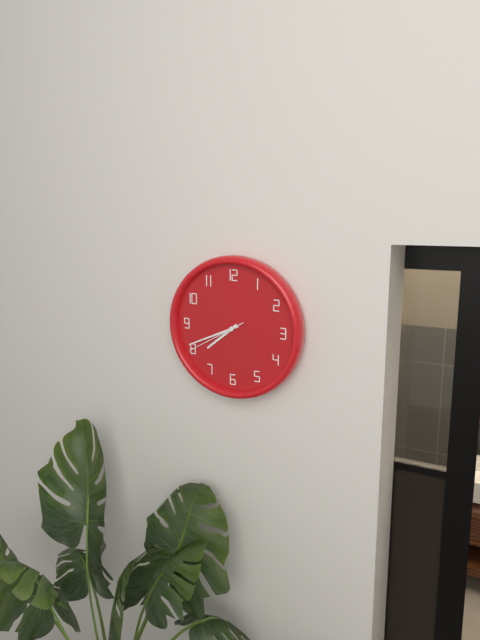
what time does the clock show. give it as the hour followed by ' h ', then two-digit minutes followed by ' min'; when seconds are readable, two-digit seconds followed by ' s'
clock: 7 h 41 min 40 s
